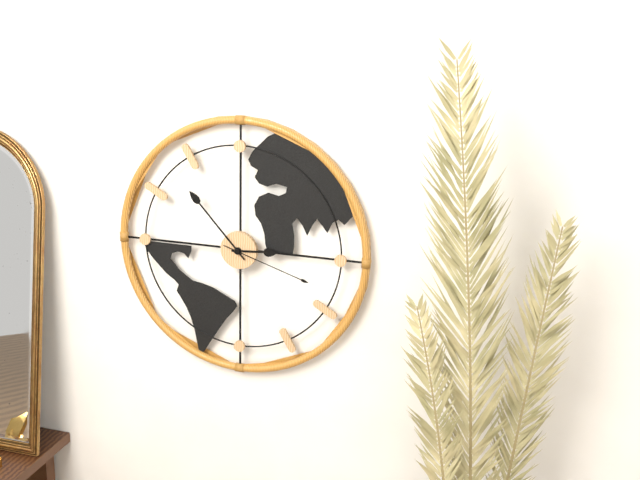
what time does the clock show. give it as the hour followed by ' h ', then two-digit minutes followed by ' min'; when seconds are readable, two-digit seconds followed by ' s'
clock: 2 h 53 min 18 s
